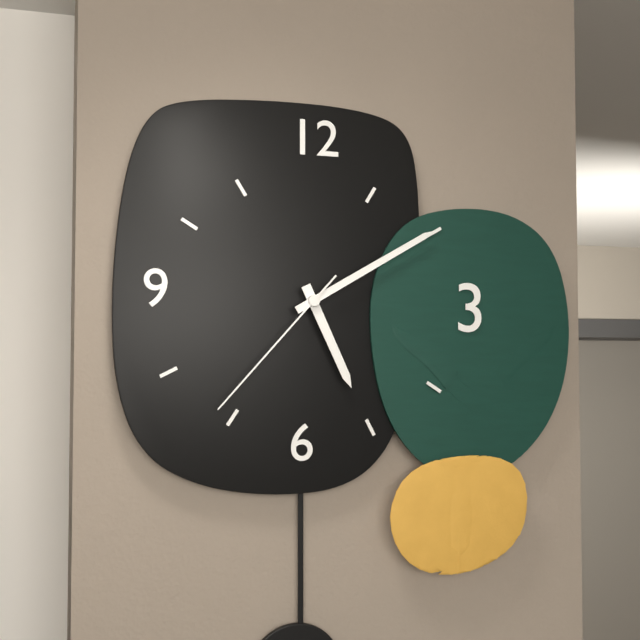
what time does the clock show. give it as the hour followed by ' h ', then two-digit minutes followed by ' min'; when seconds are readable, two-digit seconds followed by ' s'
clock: 5 h 10 min 37 s
